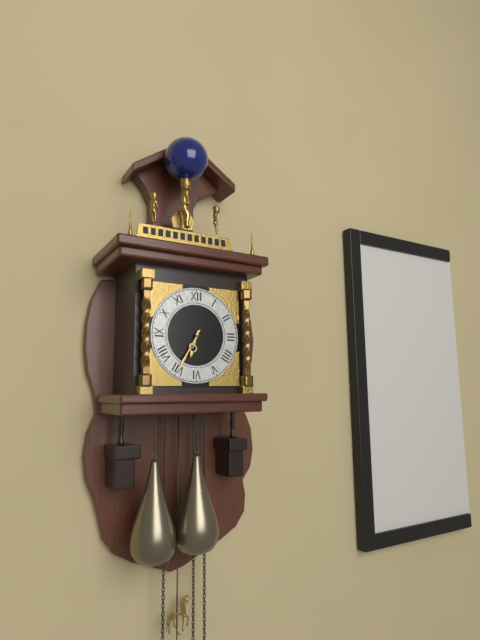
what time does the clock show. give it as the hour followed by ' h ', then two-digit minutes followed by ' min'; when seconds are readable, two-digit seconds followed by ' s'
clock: 6 h 35 min
